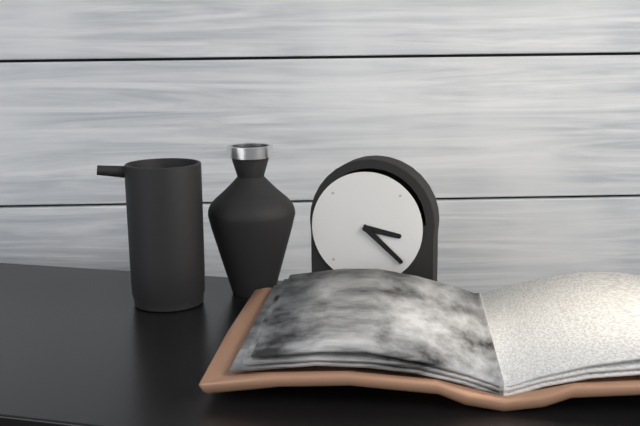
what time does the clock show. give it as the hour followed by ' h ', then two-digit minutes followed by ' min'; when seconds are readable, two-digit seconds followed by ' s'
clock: 3 h 22 min
